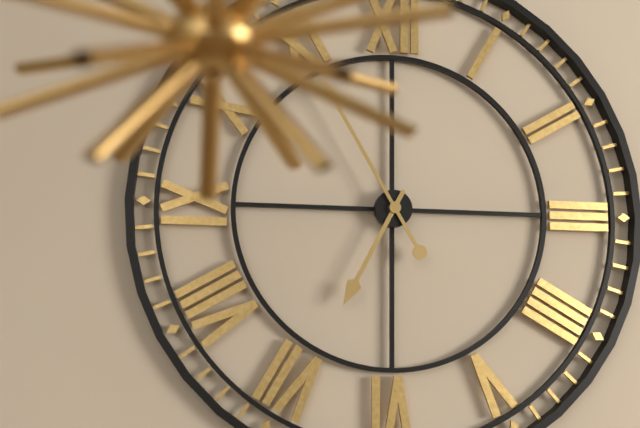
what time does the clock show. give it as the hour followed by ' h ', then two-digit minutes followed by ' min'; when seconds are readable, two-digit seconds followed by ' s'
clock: 6 h 55 min
